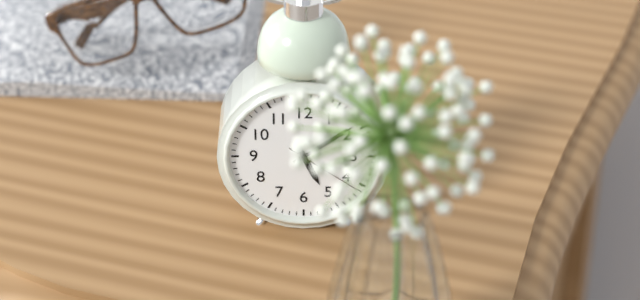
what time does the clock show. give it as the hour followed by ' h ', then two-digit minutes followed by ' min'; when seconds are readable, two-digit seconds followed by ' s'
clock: 5 h 09 min 21 s
